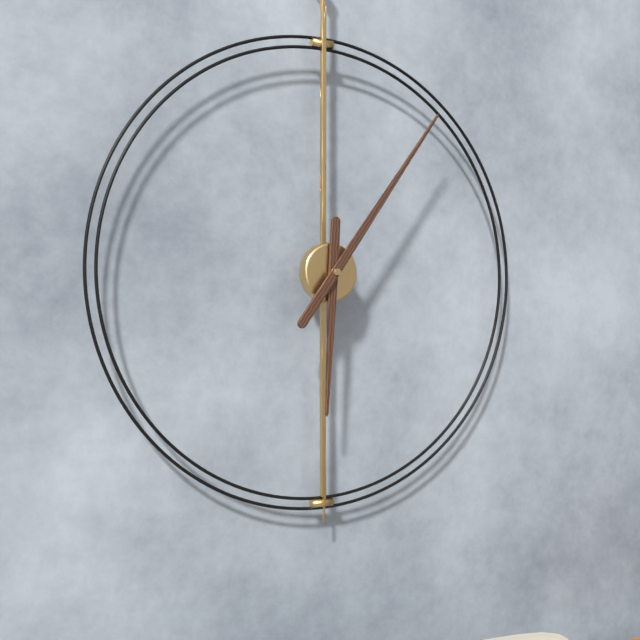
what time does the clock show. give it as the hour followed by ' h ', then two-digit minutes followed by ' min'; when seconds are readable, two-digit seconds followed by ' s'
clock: 6 h 06 min
